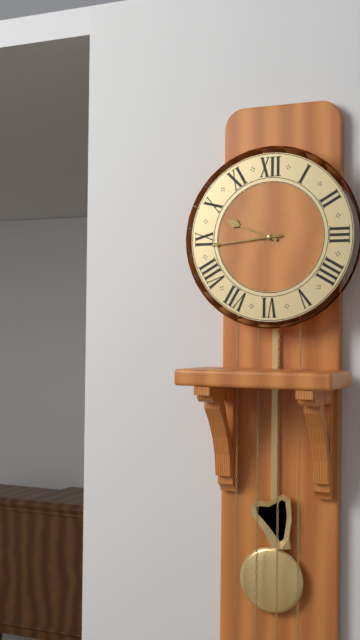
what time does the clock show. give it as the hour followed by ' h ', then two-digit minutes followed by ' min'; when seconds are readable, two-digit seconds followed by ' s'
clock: 9 h 44 min
